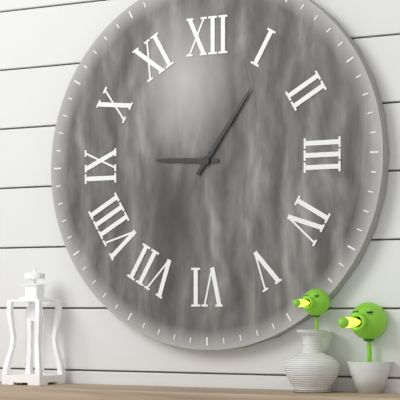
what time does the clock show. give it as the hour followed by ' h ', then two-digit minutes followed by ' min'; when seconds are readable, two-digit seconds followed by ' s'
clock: 9 h 06 min
